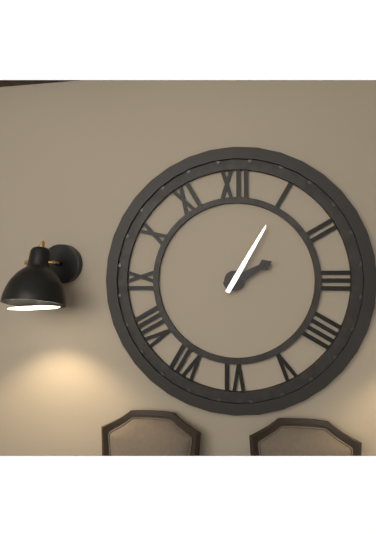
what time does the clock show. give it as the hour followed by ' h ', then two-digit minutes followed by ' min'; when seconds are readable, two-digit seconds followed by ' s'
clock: 2 h 05 min
